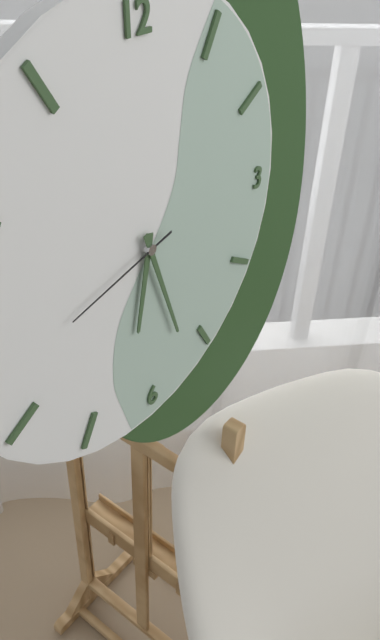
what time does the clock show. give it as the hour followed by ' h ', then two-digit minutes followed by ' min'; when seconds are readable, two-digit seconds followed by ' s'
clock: 6 h 27 min 43 s
